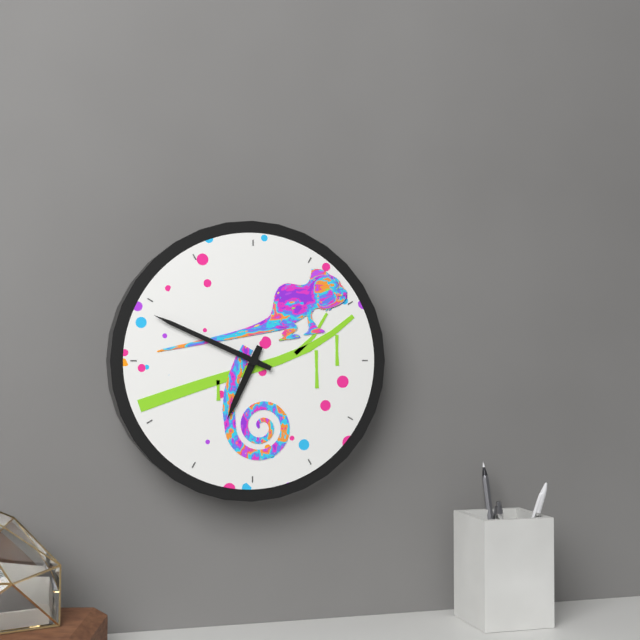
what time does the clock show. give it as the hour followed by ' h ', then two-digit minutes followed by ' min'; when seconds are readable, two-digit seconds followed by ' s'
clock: 6 h 49 min
